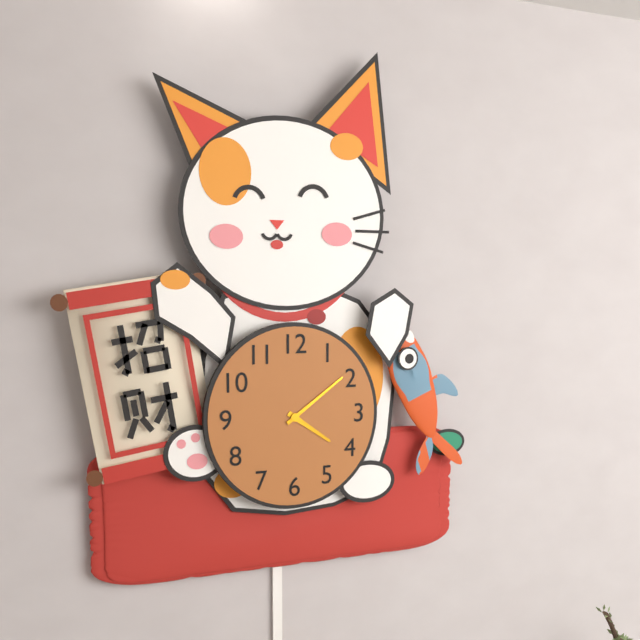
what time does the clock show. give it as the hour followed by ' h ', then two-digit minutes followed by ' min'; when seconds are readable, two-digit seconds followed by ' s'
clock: 4 h 09 min
